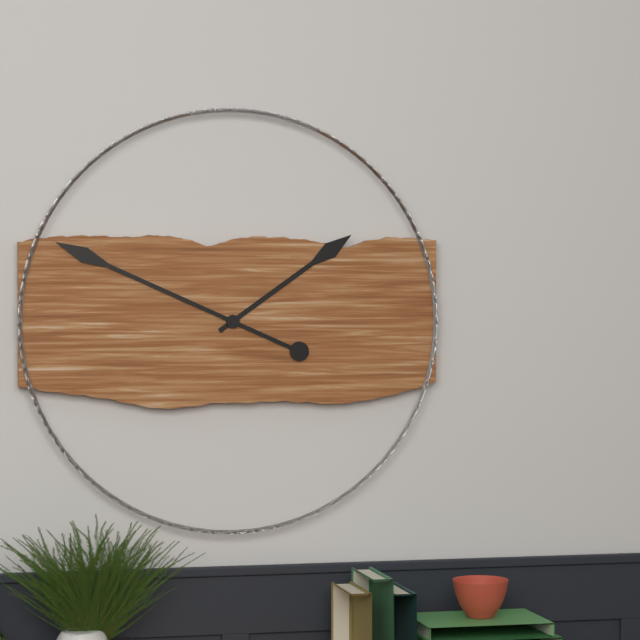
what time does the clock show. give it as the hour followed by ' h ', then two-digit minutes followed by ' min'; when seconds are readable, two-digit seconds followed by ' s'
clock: 1 h 49 min
